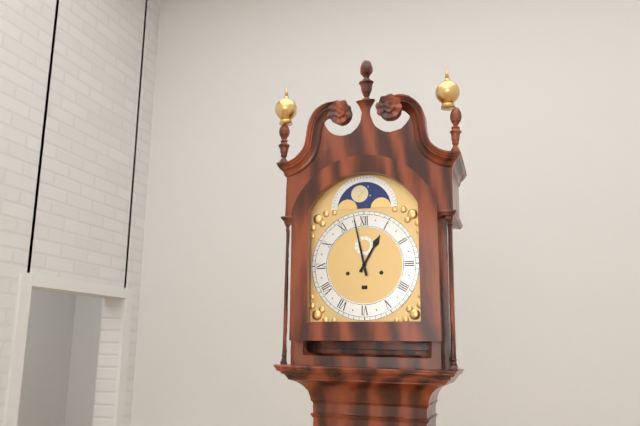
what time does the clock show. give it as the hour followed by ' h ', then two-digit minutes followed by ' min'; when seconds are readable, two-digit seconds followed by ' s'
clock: 12 h 58 min
